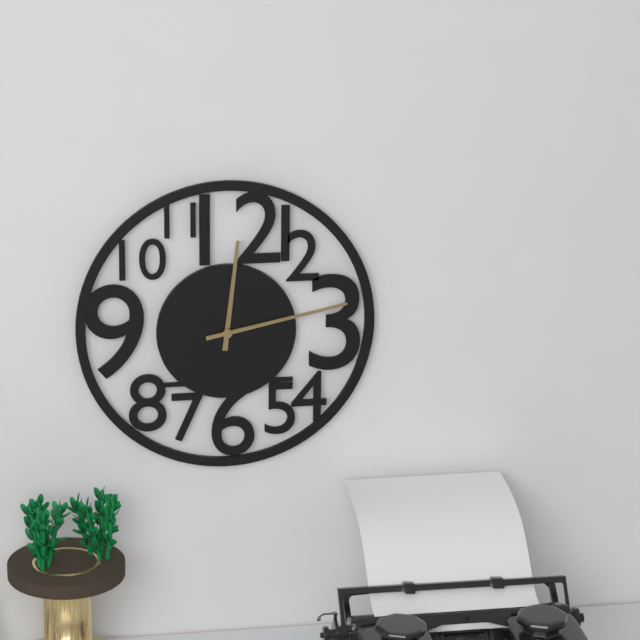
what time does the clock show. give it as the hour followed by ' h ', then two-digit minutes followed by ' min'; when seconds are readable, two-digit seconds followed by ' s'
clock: 12 h 13 min
